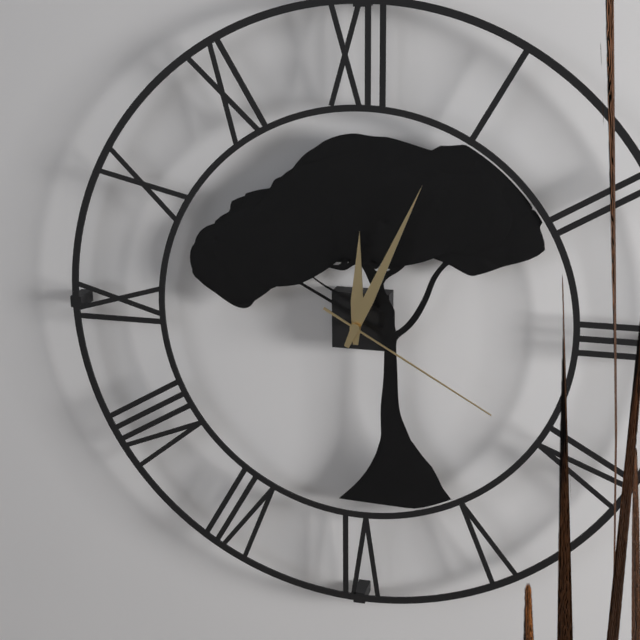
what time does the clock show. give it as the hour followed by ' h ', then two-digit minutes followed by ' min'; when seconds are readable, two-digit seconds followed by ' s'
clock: 12 h 04 min 20 s
